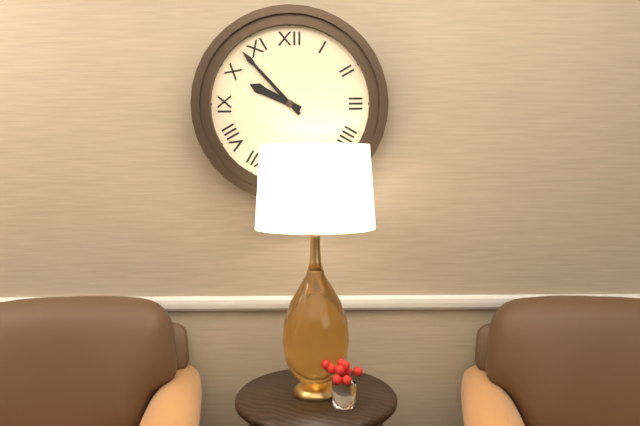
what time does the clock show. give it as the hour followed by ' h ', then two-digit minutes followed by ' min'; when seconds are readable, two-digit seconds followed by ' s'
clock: 9 h 53 min
